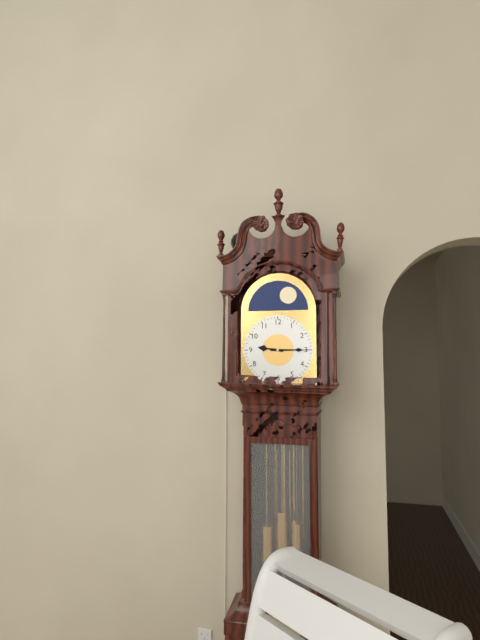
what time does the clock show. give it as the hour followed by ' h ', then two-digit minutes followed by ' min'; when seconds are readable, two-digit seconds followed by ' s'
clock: 9 h 15 min
